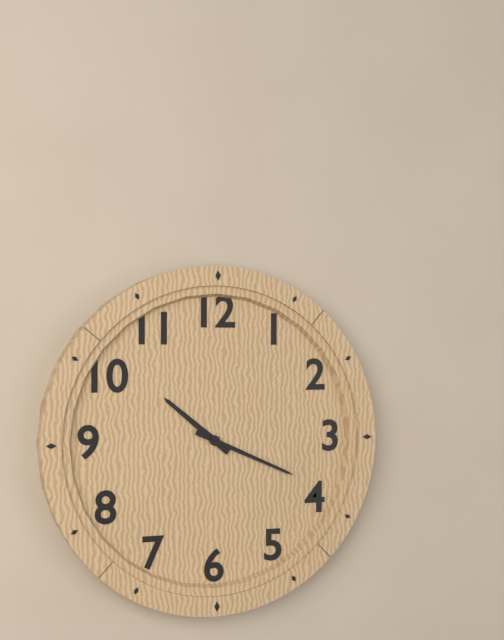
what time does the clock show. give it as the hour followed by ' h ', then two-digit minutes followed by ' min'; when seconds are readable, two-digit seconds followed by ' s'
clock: 10 h 19 min
